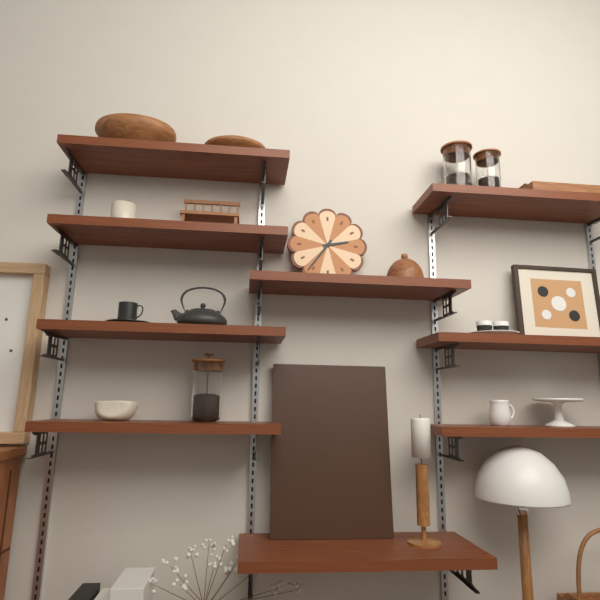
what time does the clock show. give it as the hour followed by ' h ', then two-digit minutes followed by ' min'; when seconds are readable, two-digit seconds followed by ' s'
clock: 2 h 36 min
